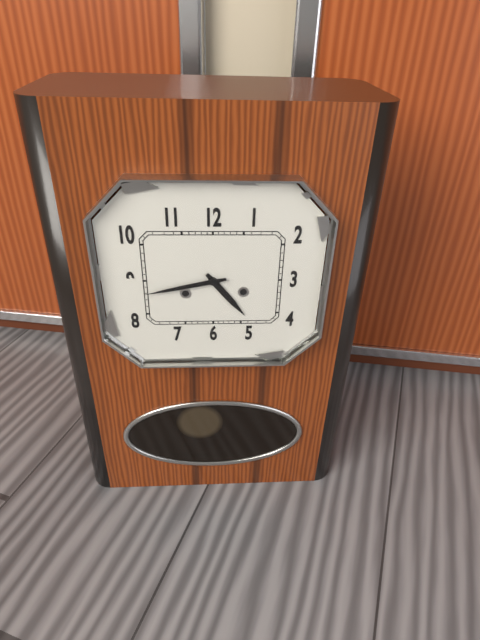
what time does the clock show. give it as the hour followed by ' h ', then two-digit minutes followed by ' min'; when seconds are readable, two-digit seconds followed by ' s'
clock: 4 h 43 min
